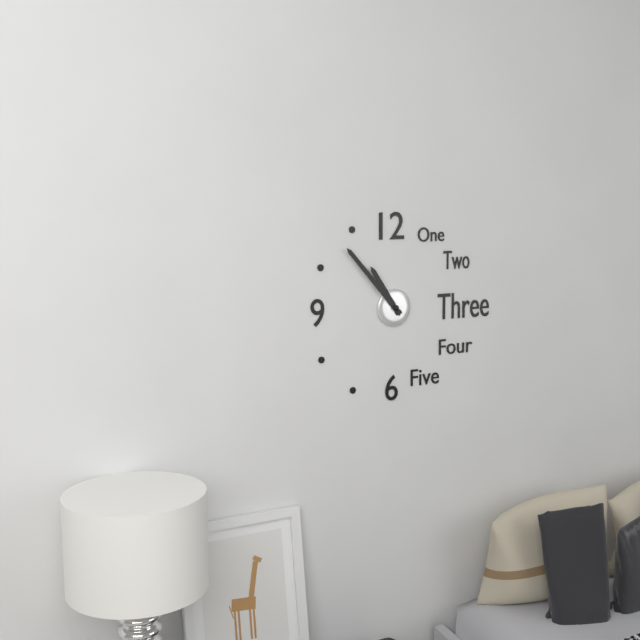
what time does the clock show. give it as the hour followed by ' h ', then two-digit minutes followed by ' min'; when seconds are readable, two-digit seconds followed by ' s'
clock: 10 h 53 min
